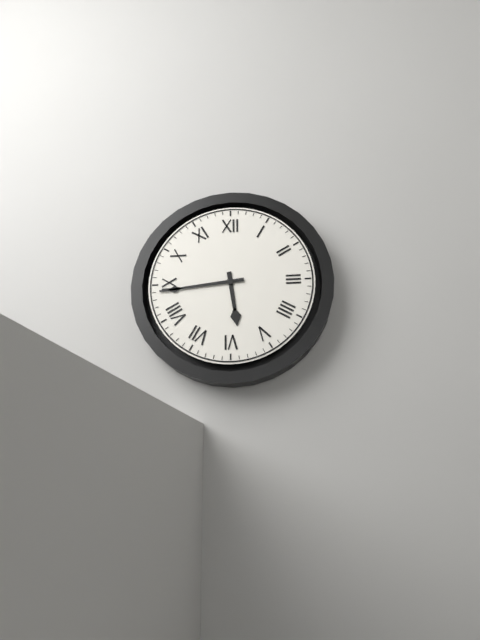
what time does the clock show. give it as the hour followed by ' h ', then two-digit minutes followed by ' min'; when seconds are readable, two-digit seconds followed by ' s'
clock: 5 h 44 min
